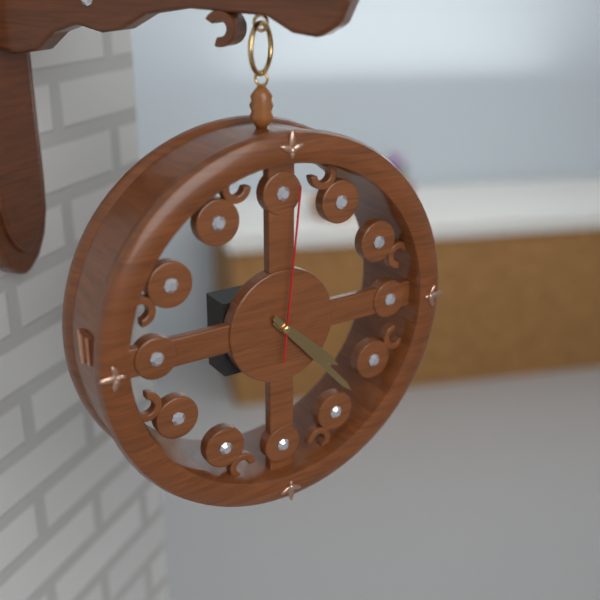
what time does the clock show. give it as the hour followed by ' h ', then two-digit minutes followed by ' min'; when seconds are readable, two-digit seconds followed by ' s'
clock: 4 h 23 min 01 s
